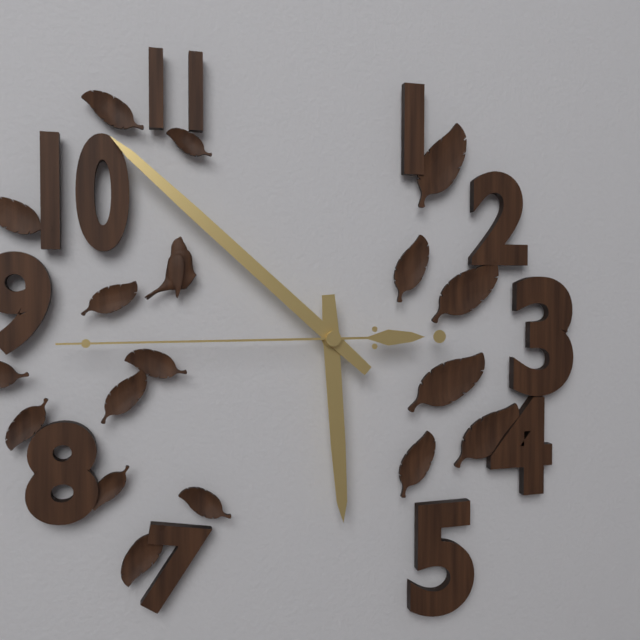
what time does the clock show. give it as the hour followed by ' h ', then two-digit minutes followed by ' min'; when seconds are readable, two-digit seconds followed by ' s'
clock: 5 h 52 min 45 s
